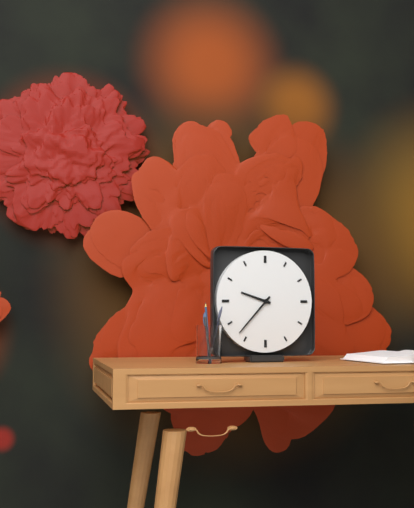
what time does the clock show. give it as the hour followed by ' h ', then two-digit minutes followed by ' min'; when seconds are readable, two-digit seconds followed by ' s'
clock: 9 h 37 min
